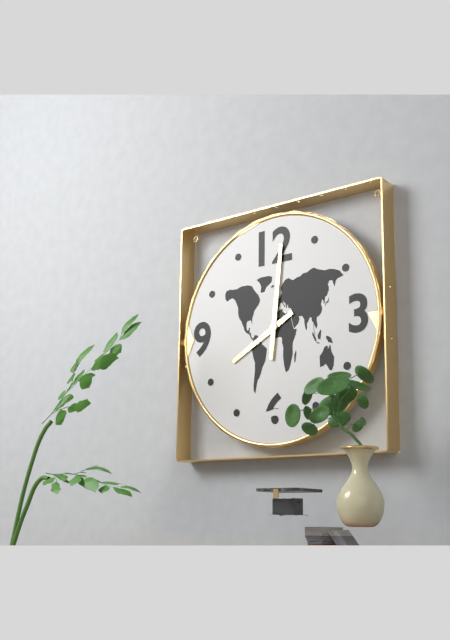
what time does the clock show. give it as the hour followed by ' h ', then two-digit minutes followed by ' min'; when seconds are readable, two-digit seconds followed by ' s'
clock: 8 h 01 min
